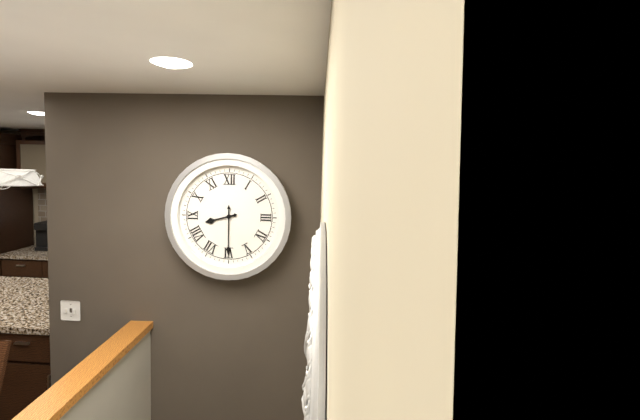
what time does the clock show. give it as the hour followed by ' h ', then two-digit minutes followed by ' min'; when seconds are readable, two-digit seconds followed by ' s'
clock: 8 h 30 min
